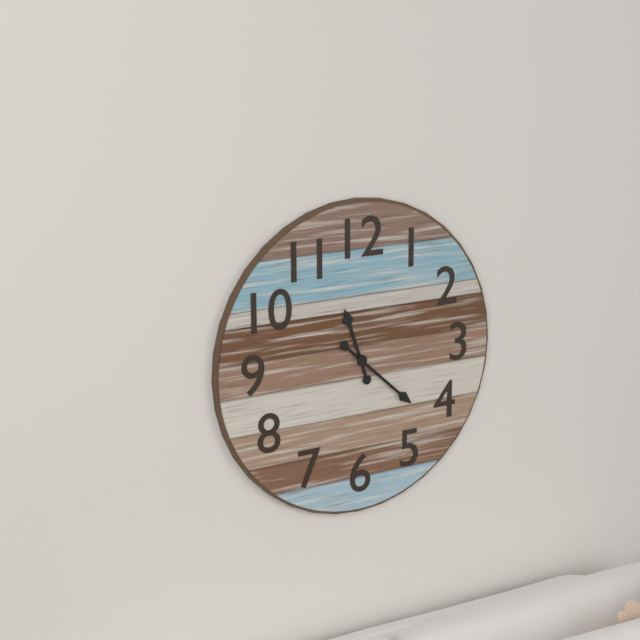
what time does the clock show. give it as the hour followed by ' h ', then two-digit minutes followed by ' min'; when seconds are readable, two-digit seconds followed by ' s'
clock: 11 h 22 min
